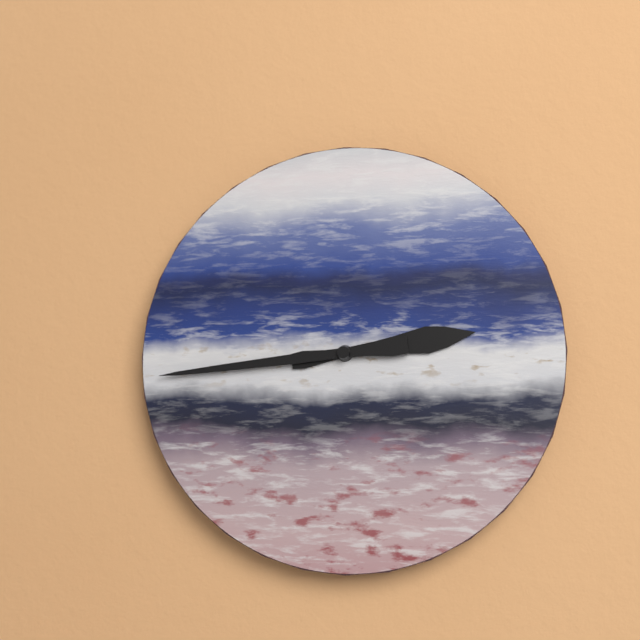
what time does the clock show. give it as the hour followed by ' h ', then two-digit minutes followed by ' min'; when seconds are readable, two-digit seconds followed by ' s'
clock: 2 h 44 min
